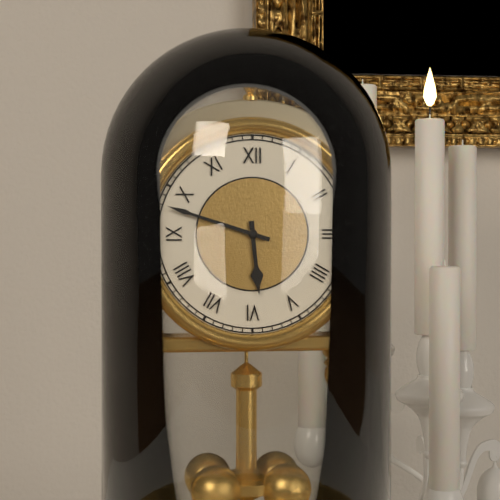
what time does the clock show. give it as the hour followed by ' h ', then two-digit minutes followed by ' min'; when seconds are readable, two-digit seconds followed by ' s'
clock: 5 h 48 min
